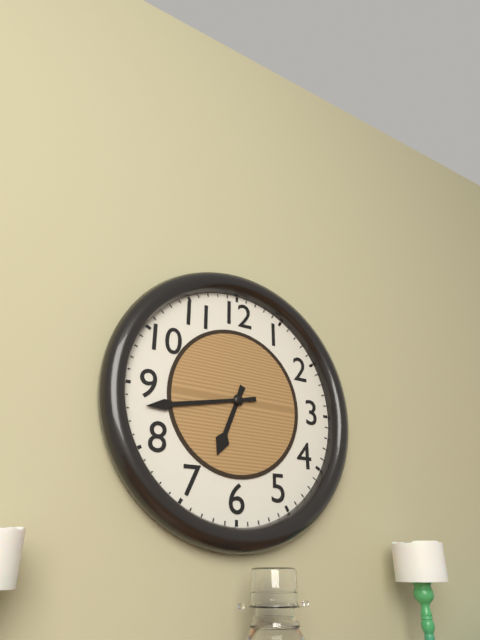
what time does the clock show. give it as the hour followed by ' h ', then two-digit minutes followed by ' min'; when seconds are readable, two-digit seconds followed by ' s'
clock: 6 h 43 min
